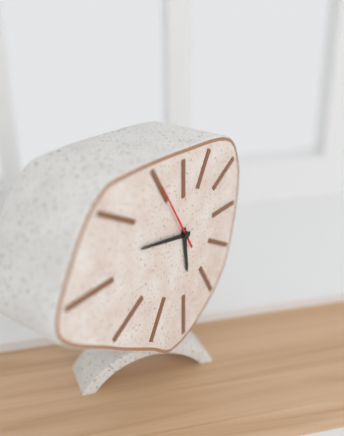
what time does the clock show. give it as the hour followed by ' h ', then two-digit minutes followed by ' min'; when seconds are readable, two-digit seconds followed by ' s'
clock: 5 h 47 min 55 s
